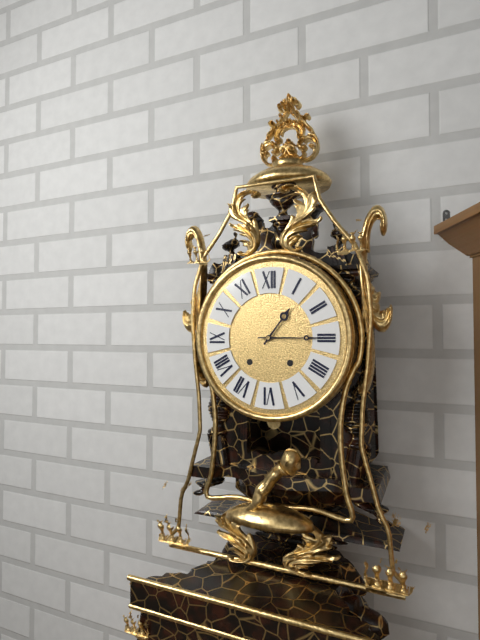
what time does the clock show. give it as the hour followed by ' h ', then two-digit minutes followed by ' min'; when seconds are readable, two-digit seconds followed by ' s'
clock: 1 h 15 min
